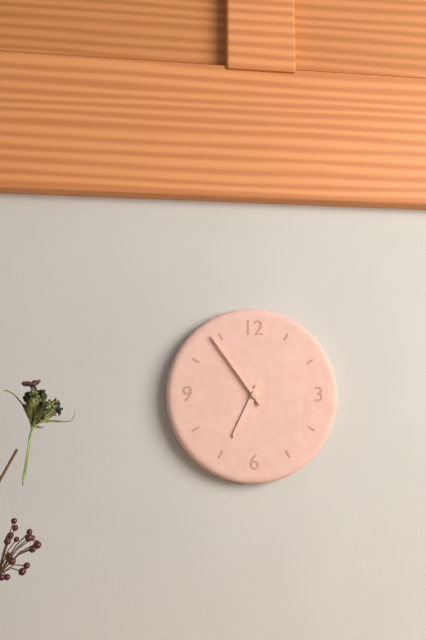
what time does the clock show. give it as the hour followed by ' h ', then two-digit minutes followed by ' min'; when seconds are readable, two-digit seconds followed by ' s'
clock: 6 h 54 min
